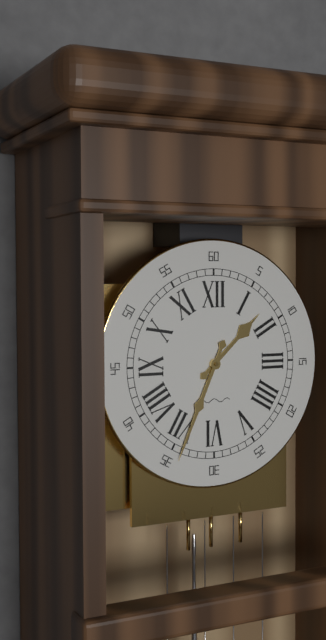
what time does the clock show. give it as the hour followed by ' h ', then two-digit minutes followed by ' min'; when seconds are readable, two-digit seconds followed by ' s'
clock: 1 h 34 min
